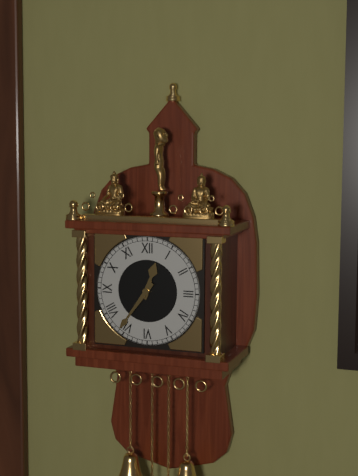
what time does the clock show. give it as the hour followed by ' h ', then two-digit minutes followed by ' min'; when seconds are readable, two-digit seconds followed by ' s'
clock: 12 h 36 min
